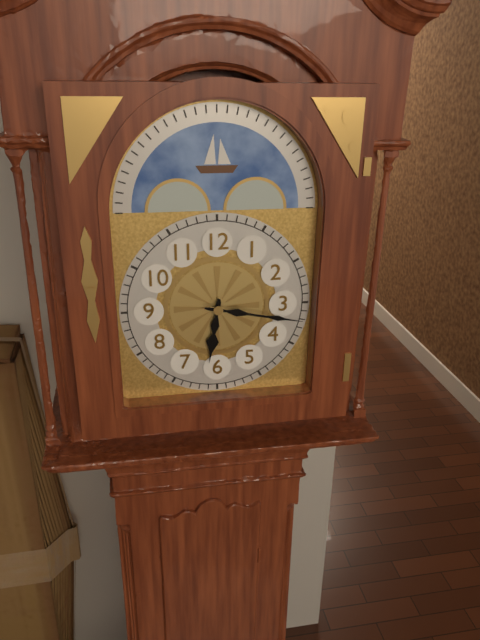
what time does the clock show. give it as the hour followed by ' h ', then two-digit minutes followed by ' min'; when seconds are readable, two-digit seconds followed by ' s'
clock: 6 h 17 min
